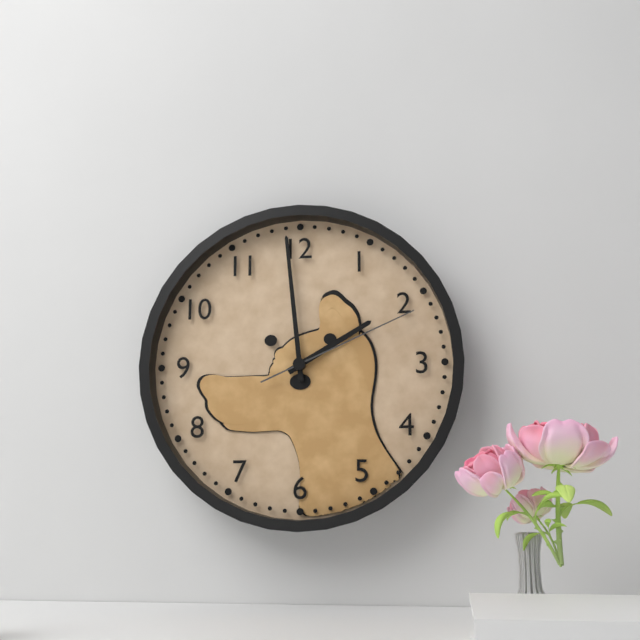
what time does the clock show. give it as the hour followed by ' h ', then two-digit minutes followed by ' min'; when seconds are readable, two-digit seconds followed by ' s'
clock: 1 h 59 min 11 s
